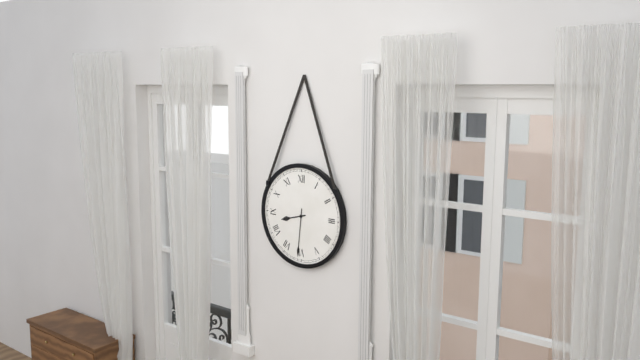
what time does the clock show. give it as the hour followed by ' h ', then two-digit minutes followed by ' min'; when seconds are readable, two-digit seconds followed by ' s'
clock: 8 h 31 min
